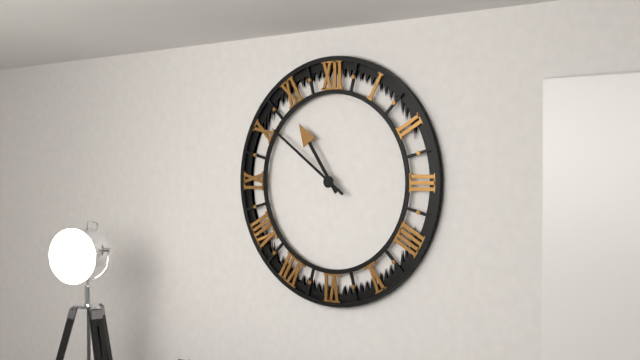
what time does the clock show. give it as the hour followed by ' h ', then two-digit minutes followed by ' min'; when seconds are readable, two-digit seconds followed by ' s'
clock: 10 h 51 min
